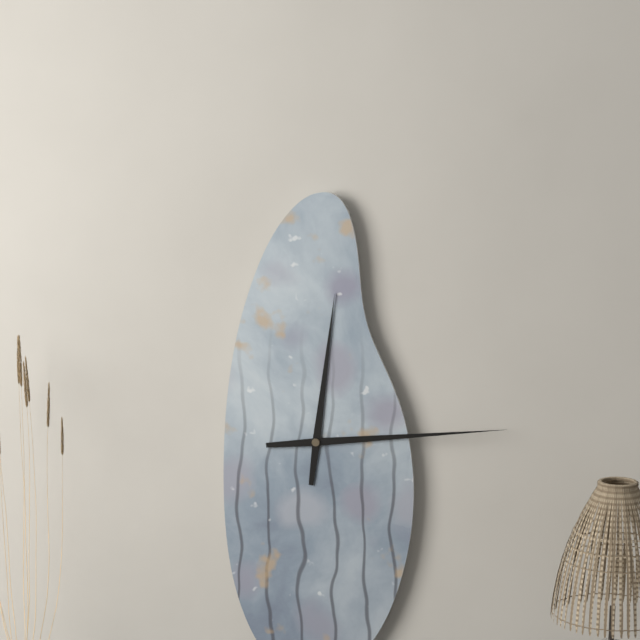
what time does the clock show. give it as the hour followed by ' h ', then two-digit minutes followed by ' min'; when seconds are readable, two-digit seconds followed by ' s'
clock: 12 h 14 min
